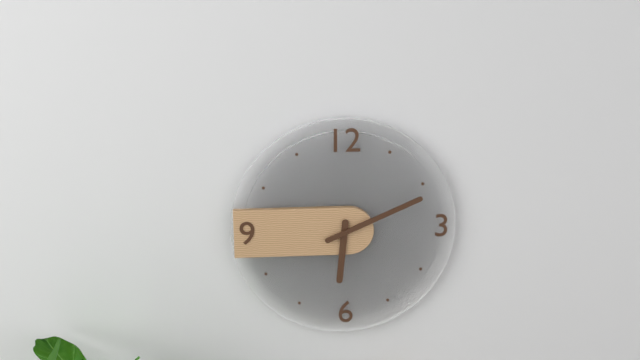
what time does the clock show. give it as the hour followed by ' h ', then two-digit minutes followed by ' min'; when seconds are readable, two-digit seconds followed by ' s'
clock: 6 h 11 min
